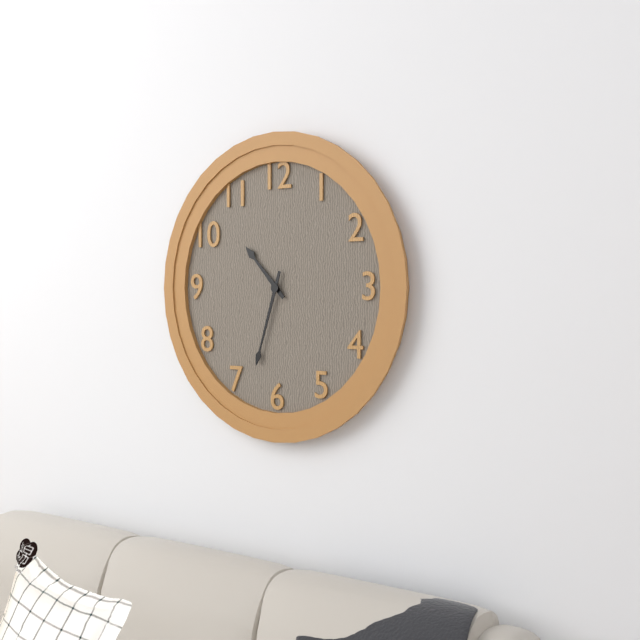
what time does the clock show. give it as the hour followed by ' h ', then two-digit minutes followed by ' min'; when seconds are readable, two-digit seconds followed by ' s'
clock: 10 h 33 min
